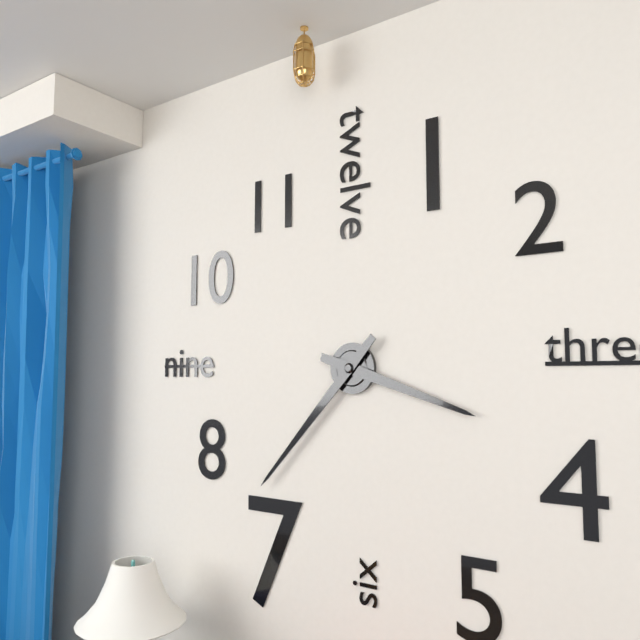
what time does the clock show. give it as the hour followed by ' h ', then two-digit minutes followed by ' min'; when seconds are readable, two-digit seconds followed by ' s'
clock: 3 h 37 min
